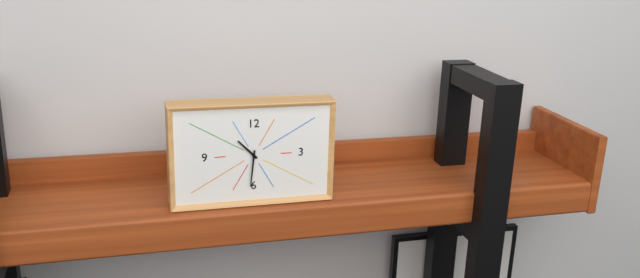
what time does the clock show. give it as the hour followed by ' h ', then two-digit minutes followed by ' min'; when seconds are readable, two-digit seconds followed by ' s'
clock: 10 h 31 min
